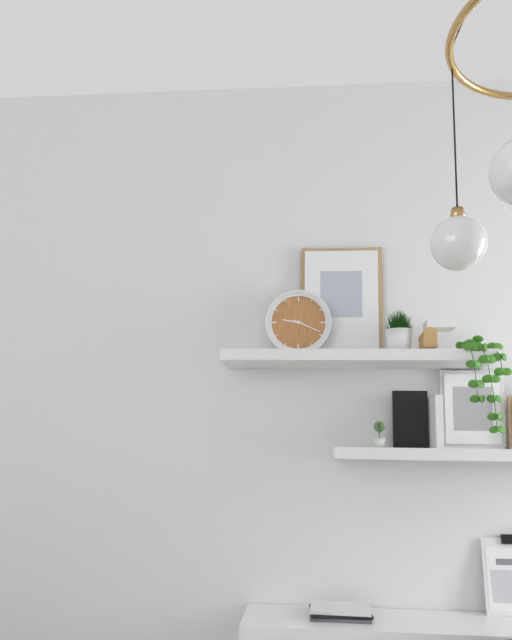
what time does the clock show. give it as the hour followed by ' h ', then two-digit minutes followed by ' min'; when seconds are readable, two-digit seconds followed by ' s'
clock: 9 h 19 min
